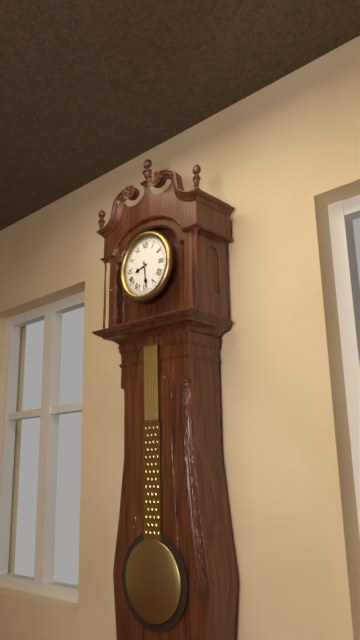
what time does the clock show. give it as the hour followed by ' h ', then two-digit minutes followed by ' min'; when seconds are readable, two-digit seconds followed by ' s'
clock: 8 h 29 min
